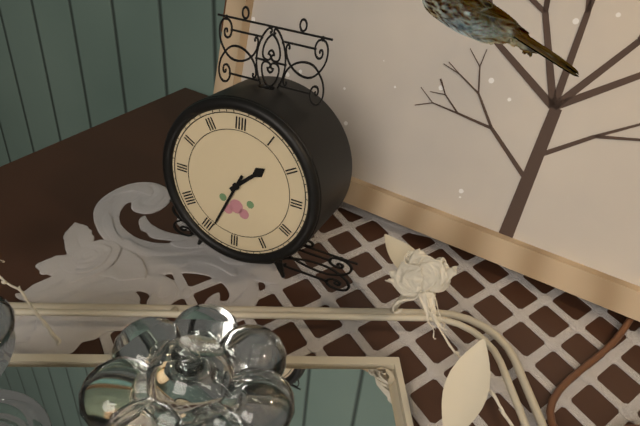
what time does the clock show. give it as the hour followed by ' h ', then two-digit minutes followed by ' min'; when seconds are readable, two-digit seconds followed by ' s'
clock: 1 h 34 min
